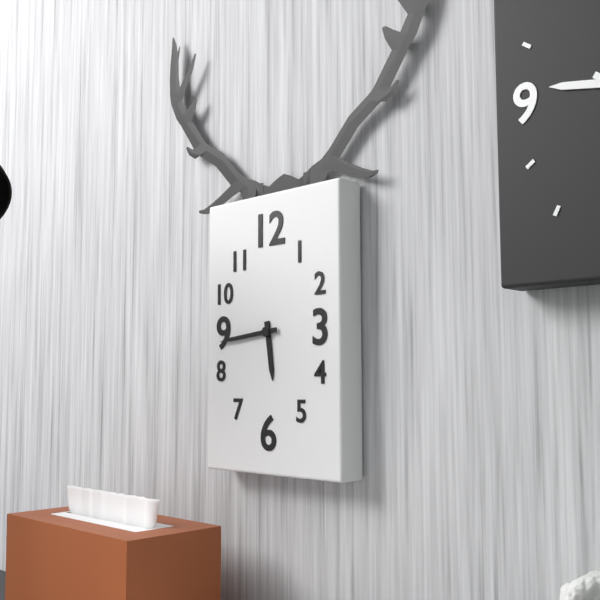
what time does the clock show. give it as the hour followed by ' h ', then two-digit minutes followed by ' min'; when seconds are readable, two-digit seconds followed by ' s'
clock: 5 h 44 min
